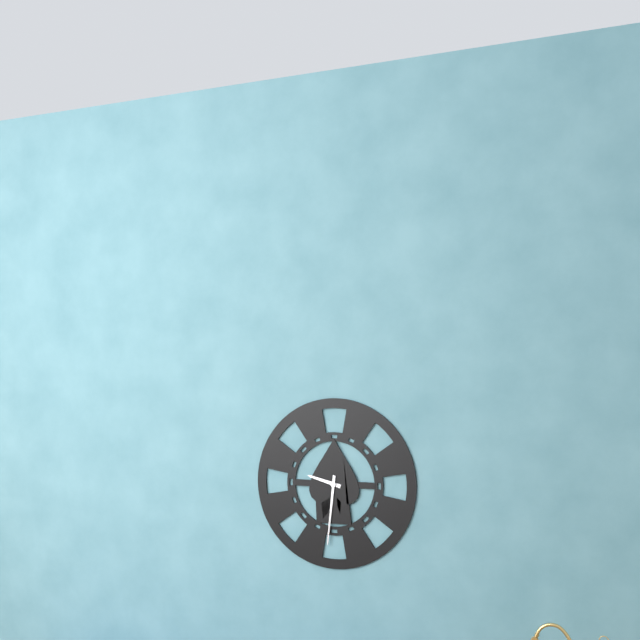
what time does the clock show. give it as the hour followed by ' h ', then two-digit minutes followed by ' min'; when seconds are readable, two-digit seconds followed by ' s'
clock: 9 h 31 min
